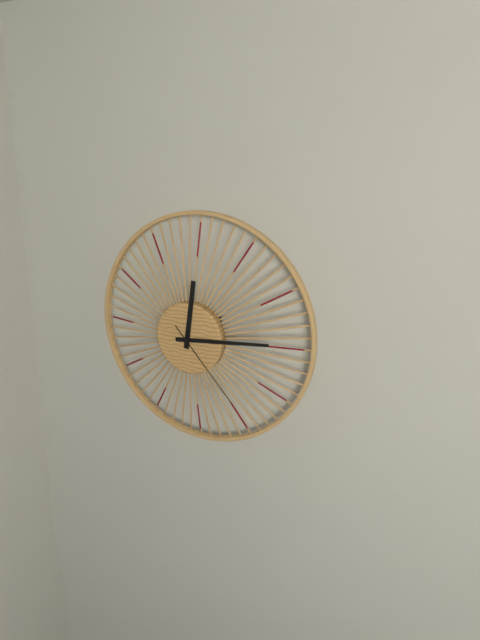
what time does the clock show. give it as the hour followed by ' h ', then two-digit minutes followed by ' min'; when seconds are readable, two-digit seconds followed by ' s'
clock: 12 h 14 min 23 s
